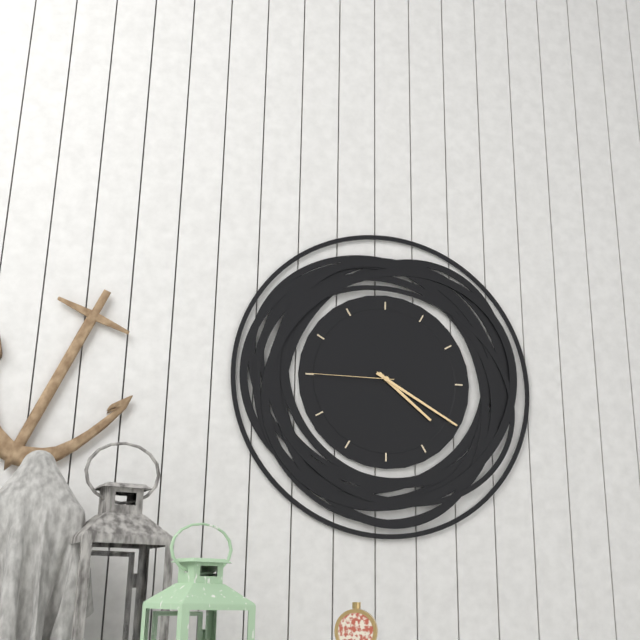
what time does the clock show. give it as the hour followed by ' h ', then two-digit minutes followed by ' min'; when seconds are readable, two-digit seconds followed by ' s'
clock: 4 h 20 min 45 s
